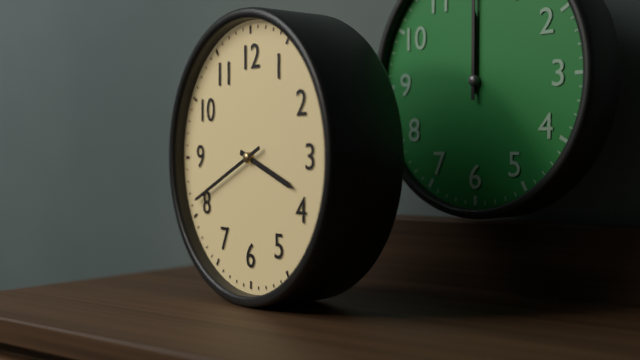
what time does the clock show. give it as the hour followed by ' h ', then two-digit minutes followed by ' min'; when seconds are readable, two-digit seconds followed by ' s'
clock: 3 h 41 min
